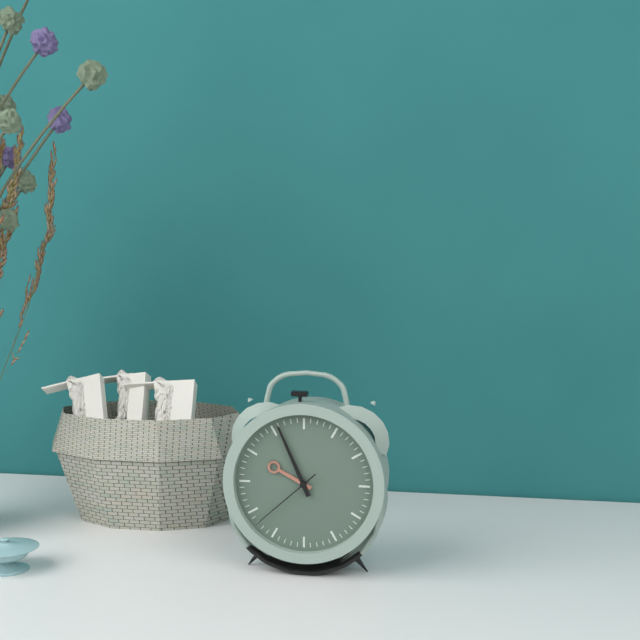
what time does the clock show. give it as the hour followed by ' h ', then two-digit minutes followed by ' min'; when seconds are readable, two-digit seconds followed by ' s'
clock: 9 h 56 min 38 s
